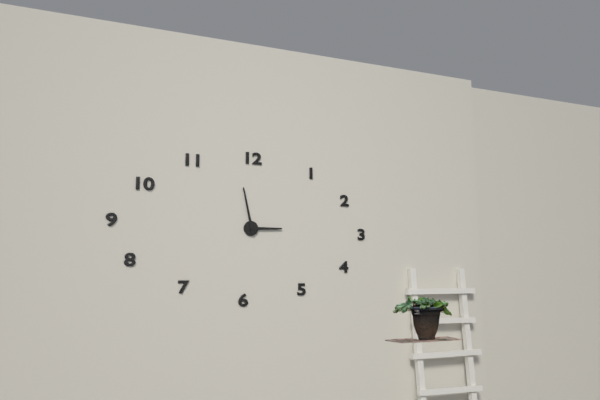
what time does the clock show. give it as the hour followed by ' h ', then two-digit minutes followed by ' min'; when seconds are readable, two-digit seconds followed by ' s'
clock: 2 h 58 min
